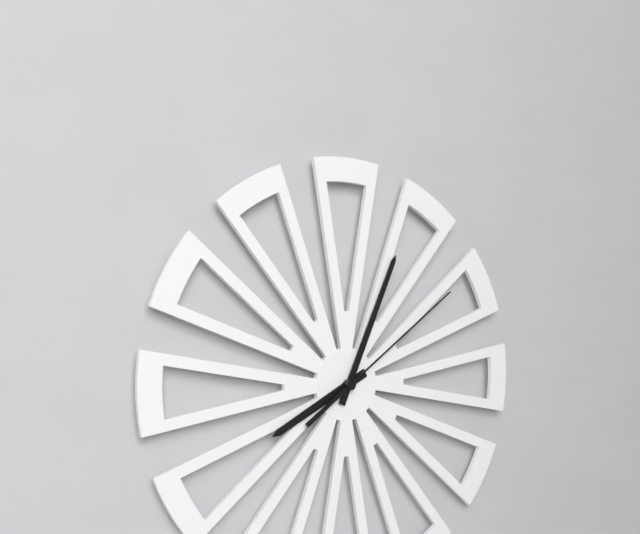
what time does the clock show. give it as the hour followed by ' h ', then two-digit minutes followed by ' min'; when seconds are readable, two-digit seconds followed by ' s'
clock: 8 h 04 min 09 s
